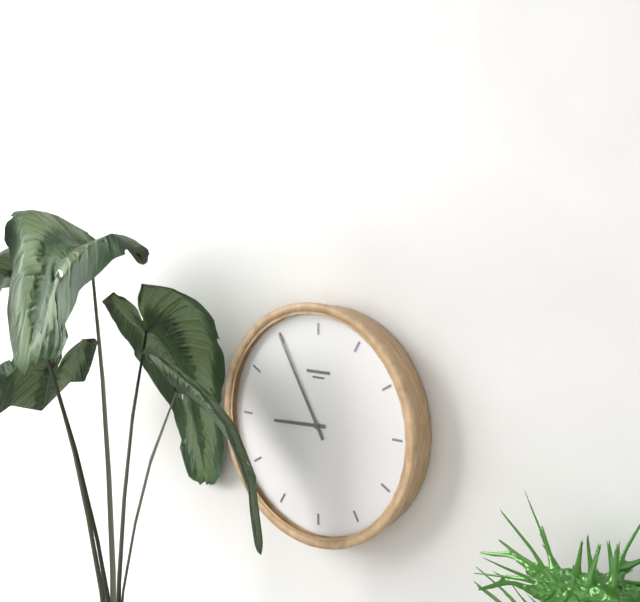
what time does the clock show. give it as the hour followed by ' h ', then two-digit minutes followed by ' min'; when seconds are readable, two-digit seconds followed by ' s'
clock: 8 h 55 min
